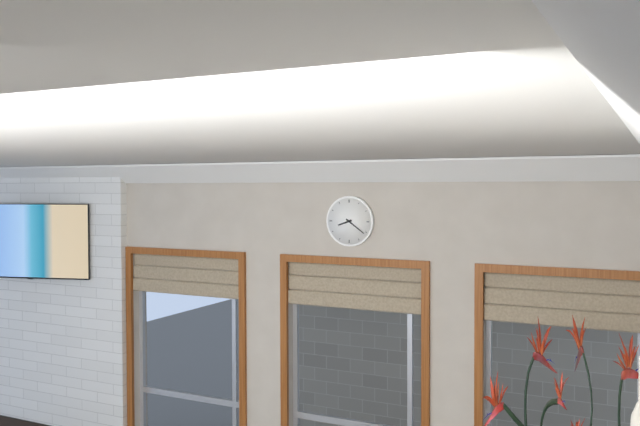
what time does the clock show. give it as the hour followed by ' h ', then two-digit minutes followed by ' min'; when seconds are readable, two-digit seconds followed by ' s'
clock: 8 h 21 min
